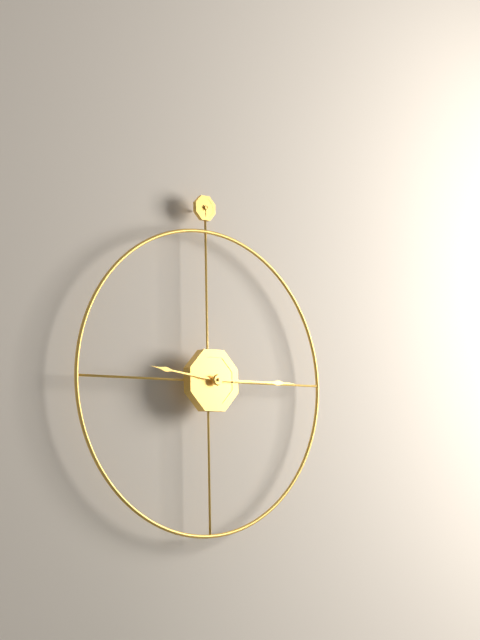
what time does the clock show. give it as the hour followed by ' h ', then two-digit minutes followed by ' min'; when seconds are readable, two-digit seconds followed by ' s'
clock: 9 h 15 min
